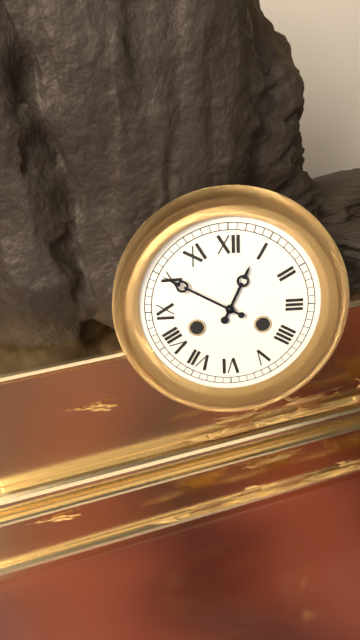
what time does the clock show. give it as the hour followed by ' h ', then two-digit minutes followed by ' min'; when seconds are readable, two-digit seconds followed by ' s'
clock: 12 h 50 min
